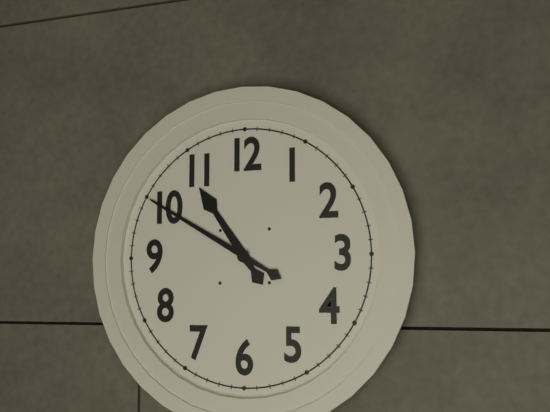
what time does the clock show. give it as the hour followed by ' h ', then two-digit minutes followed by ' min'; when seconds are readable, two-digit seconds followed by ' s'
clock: 10 h 50 min
